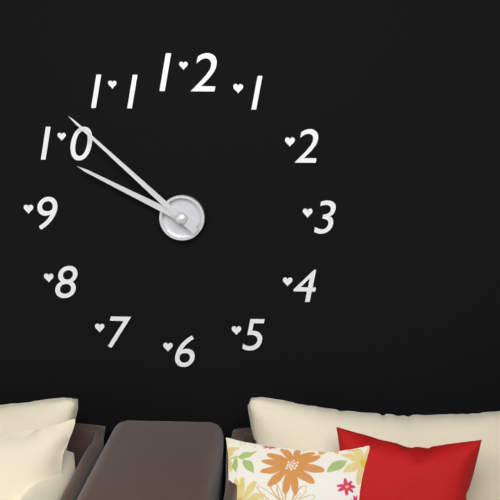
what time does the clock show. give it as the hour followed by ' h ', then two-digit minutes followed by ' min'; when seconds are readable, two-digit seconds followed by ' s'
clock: 9 h 52 min
